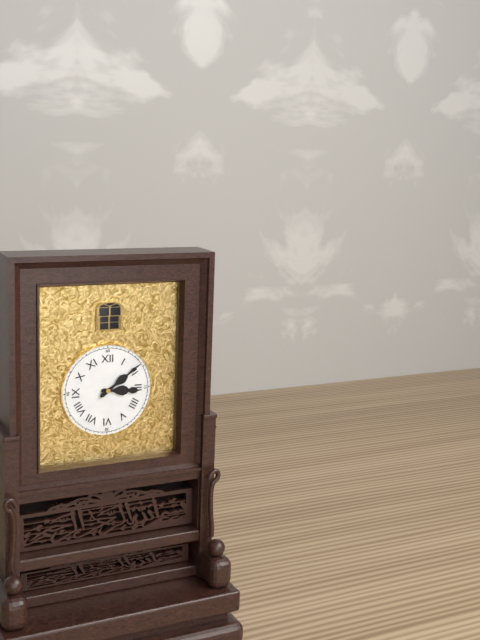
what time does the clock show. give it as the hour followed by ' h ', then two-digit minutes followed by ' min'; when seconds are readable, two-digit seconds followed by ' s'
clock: 3 h 09 min
